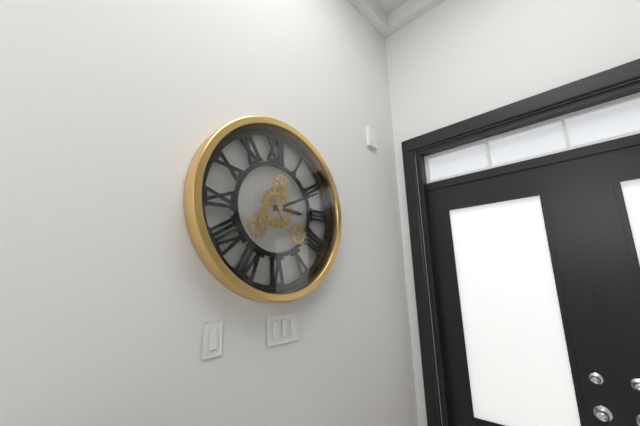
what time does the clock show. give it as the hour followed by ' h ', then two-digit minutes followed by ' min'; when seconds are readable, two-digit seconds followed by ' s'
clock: 3 h 11 min
